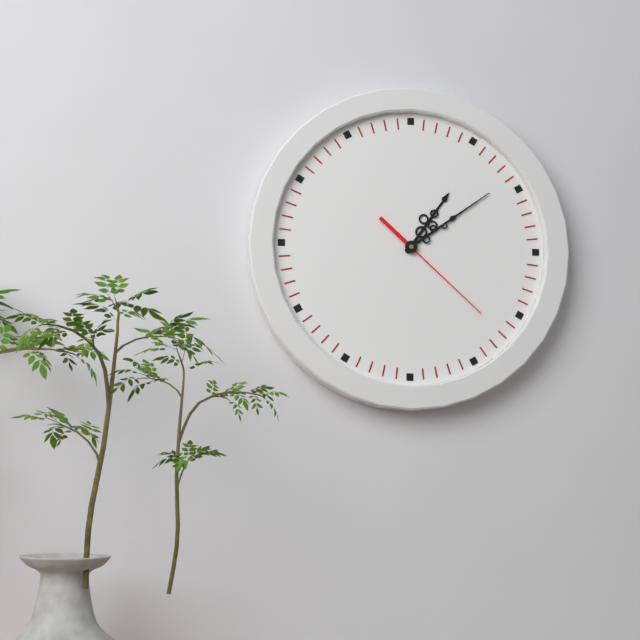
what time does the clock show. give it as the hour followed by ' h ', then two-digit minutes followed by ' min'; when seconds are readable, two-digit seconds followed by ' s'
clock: 1 h 09 min 22 s
